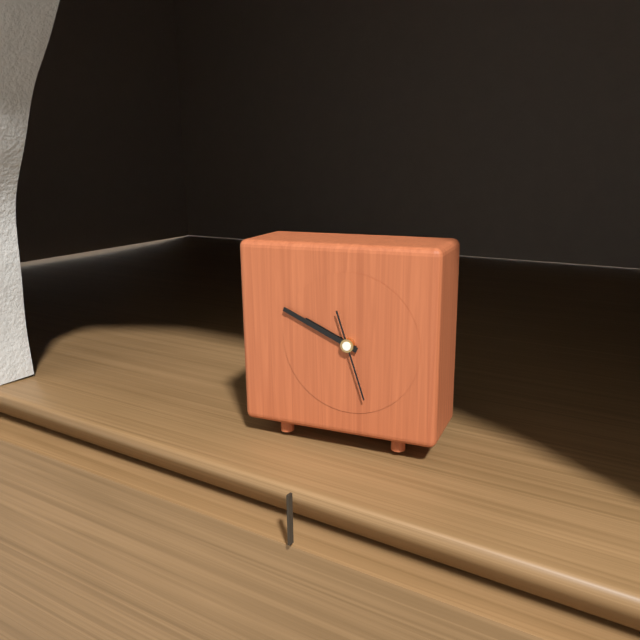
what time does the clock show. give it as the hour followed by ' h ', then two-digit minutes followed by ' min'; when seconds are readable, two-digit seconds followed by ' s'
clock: 9 h 49 min 27 s
